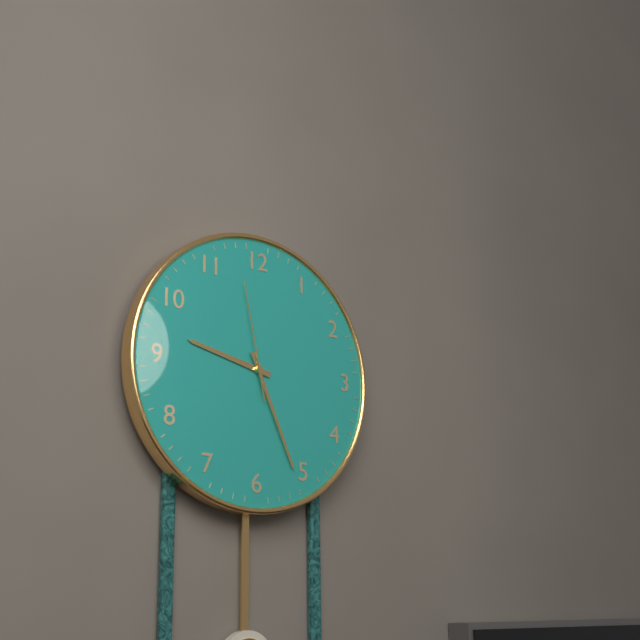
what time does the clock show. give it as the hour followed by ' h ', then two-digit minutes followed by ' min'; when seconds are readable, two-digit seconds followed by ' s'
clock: 9 h 26 min 58 s
